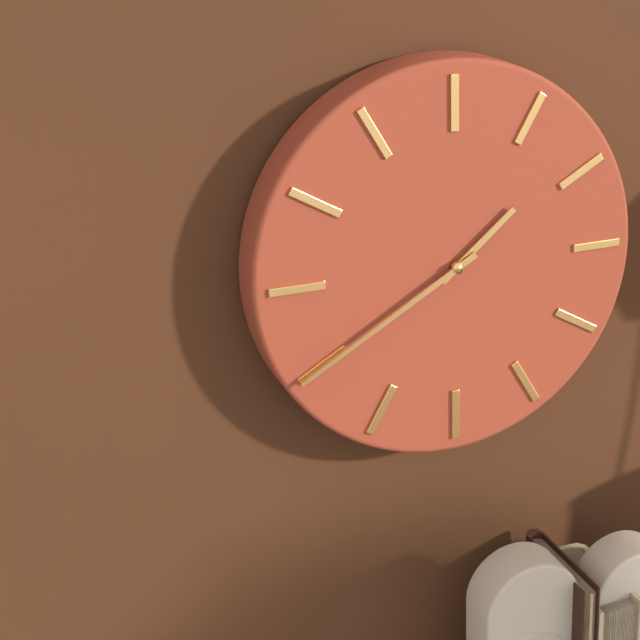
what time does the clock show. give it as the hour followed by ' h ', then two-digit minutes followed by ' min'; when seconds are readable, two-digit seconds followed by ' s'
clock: 1 h 40 min
